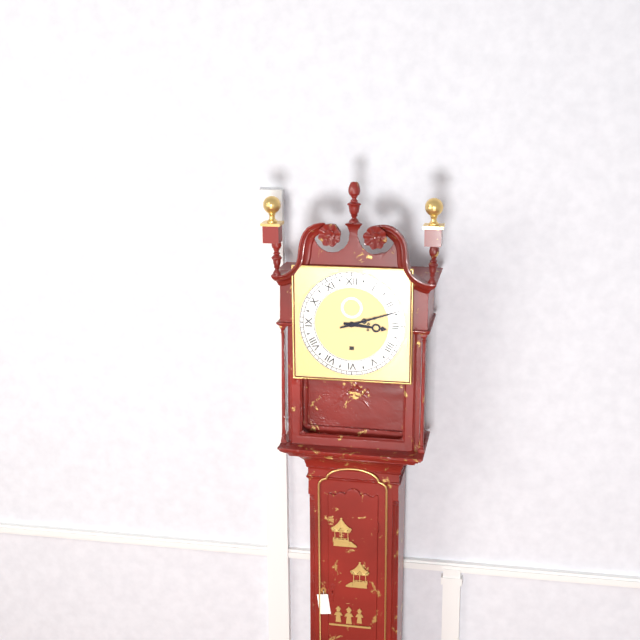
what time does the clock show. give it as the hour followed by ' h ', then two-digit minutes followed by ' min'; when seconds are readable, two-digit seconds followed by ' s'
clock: 3 h 12 min
